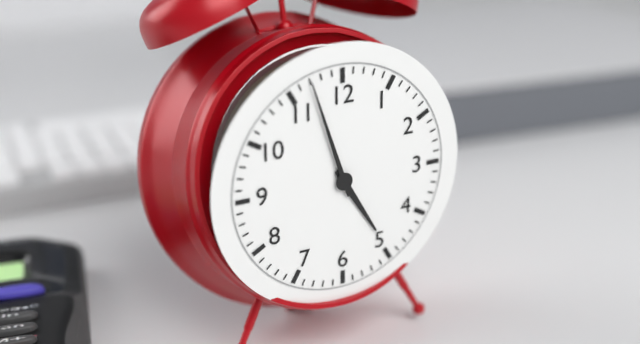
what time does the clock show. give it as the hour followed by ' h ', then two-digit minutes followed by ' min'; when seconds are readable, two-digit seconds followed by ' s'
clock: 4 h 57 min
